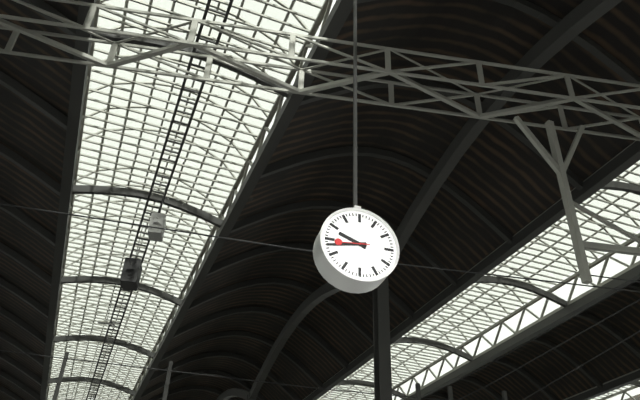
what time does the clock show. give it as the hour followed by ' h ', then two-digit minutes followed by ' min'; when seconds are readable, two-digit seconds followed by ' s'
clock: 9 h 43 min
